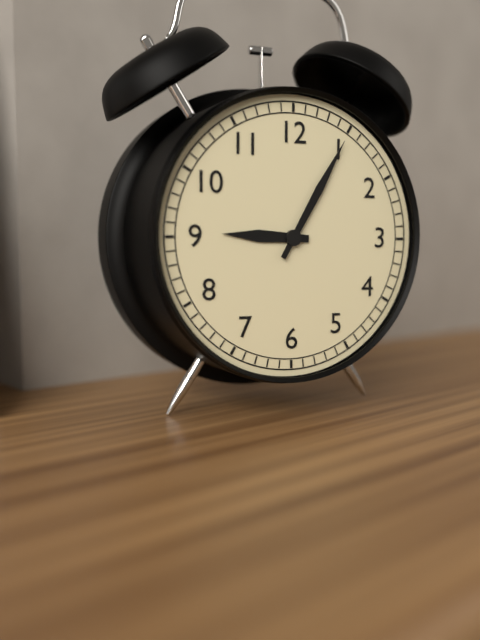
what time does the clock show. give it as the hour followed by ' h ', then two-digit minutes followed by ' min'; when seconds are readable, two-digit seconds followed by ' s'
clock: 9 h 05 min
